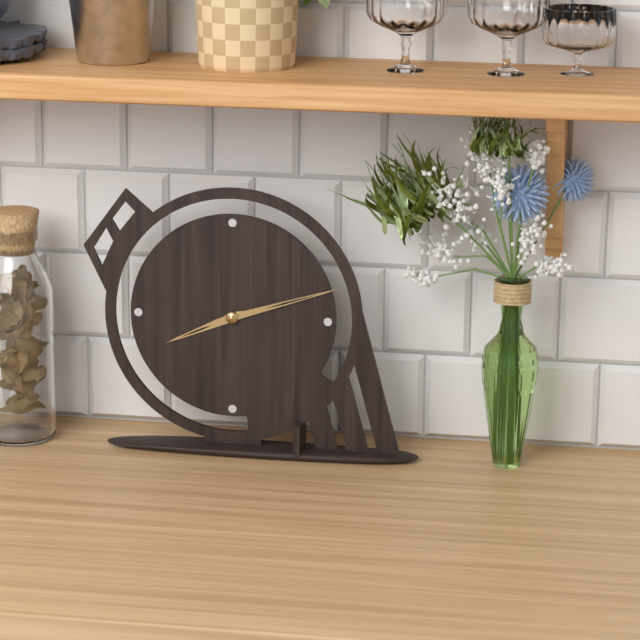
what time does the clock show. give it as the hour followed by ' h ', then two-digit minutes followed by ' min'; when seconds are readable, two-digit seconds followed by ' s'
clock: 8 h 12 min
